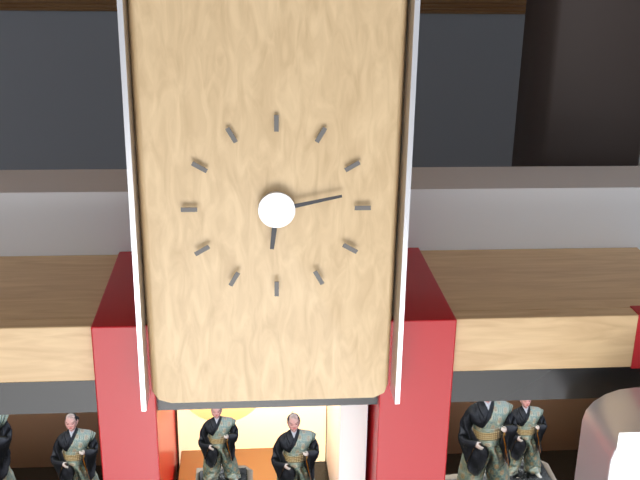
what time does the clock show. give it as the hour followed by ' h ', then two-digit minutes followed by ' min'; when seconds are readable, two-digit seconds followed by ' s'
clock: 6 h 13 min
